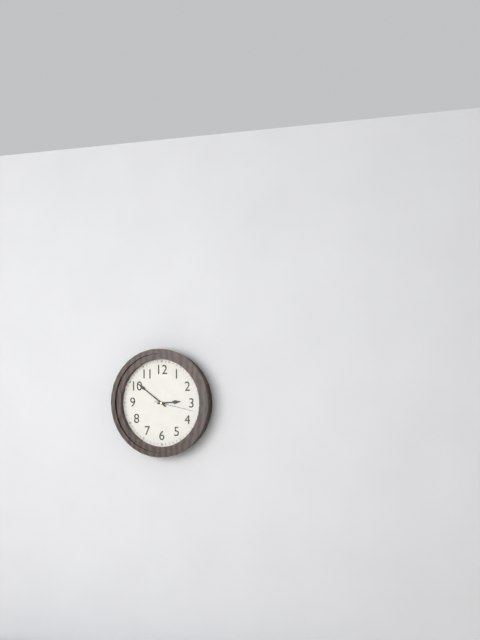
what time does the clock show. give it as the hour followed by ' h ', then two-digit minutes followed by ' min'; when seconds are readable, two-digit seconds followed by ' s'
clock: 2 h 51 min
